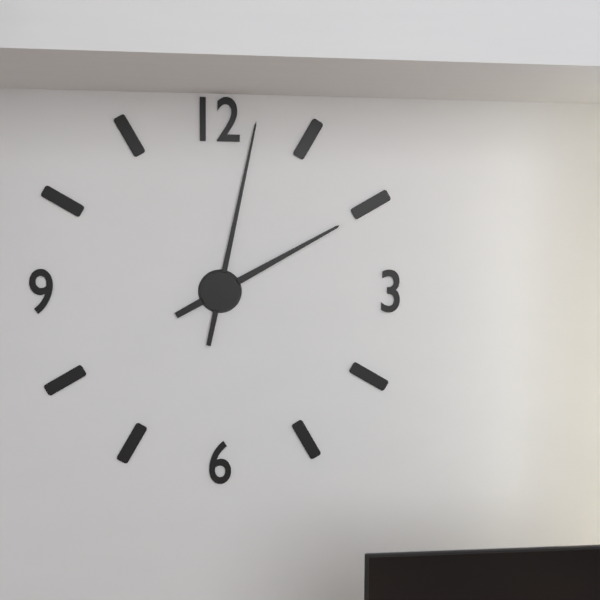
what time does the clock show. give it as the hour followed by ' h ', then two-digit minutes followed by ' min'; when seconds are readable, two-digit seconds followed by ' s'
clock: 2 h 02 min
